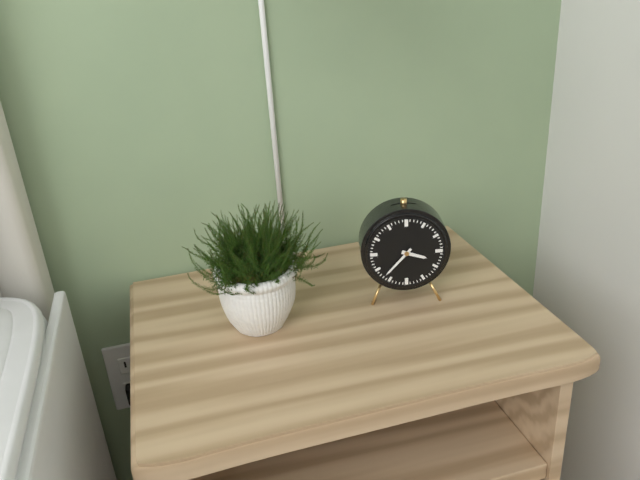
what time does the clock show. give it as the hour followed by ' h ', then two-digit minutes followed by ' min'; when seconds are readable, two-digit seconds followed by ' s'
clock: 3 h 37 min
